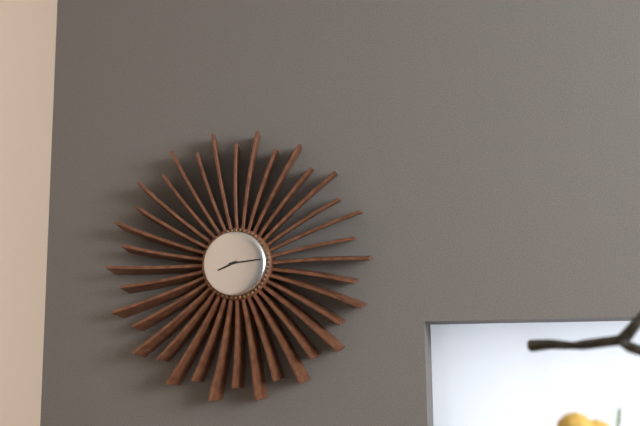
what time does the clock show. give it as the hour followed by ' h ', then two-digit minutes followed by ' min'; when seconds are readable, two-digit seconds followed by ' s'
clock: 8 h 14 min
